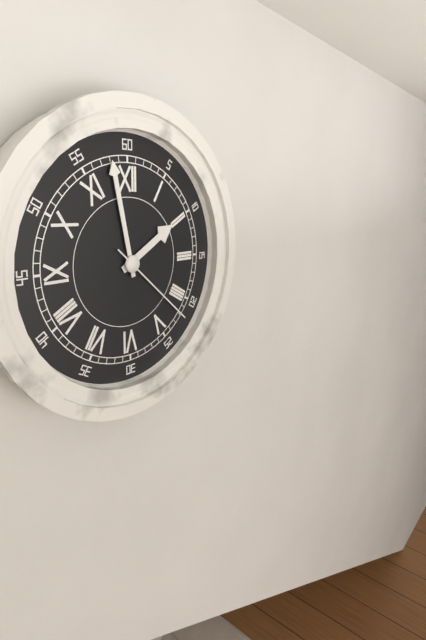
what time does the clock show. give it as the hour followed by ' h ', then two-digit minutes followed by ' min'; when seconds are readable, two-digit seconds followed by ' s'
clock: 1 h 58 min 22 s
